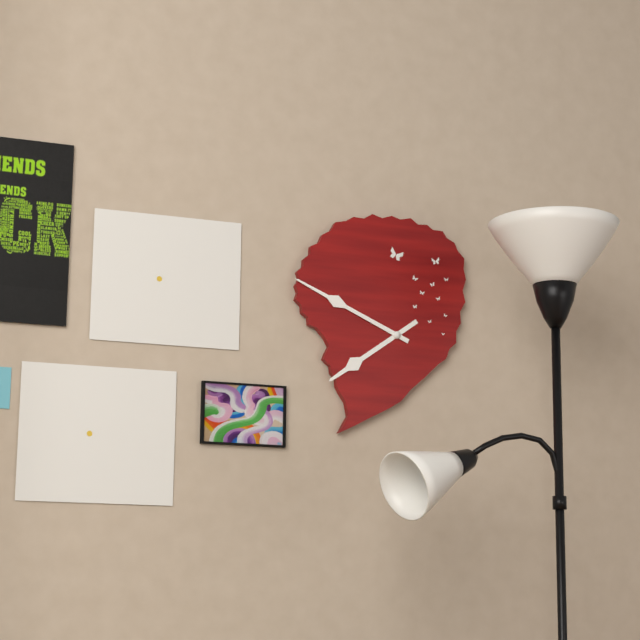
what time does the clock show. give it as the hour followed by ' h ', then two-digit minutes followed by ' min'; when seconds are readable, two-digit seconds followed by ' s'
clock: 7 h 49 min
